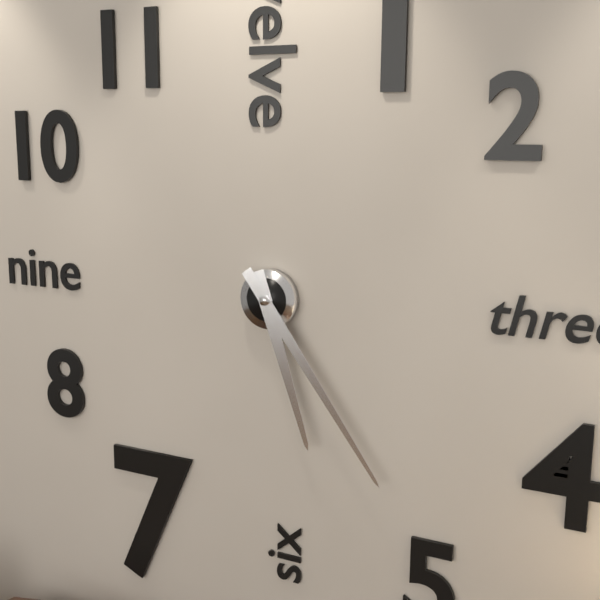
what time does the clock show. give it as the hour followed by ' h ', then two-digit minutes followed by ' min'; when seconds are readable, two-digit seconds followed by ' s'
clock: 5 h 24 min
